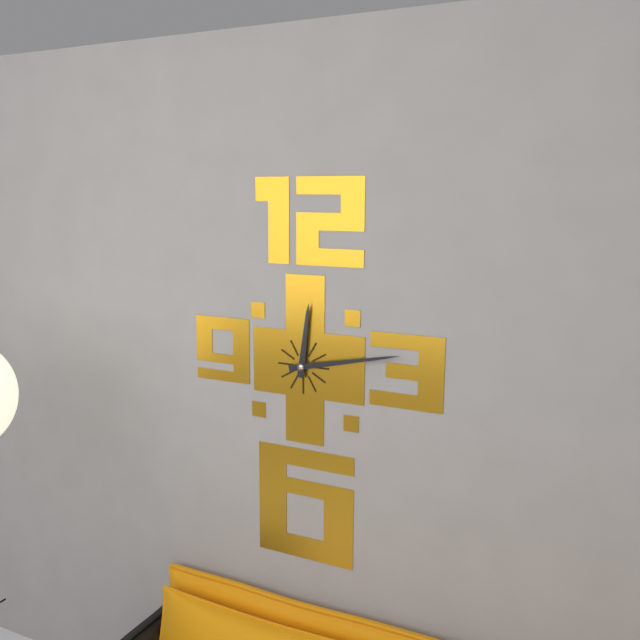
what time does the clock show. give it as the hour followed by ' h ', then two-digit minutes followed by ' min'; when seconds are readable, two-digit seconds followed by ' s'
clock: 12 h 13 min
